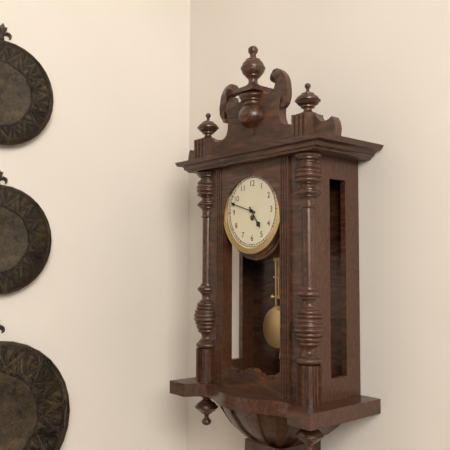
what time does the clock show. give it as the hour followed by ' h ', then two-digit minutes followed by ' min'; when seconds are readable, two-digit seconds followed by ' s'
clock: 4 h 48 min
